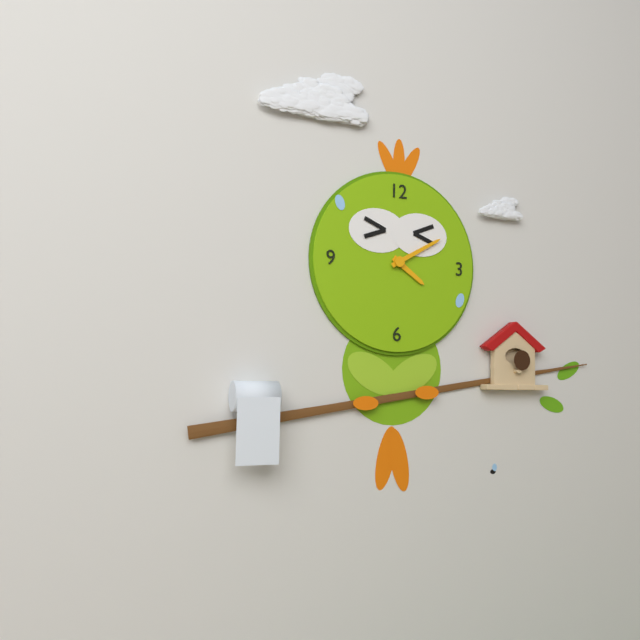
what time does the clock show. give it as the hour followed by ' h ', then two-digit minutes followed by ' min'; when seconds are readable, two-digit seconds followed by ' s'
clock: 4 h 10 min
